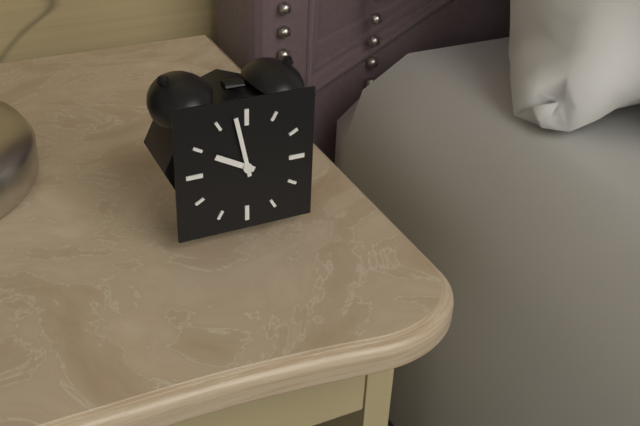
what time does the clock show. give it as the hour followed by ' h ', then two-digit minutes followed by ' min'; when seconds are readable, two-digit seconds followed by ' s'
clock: 9 h 58 min
